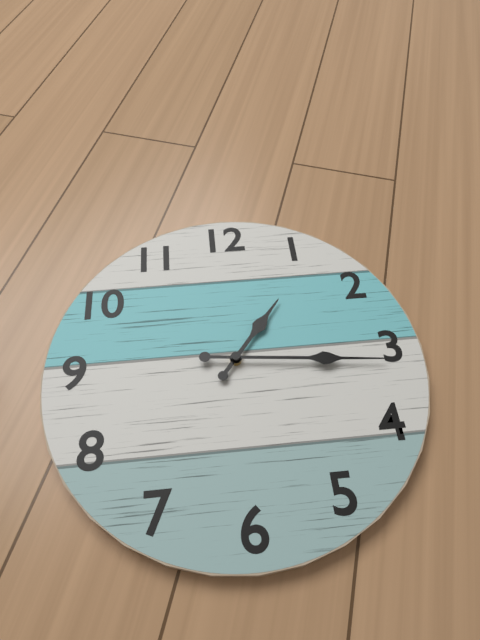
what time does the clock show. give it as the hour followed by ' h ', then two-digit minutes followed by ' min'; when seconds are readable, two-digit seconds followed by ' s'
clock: 1 h 16 min
